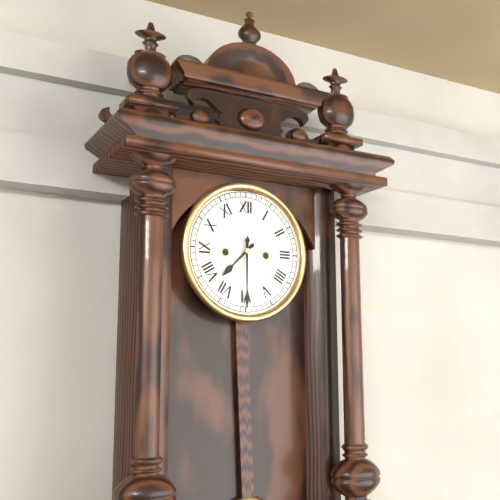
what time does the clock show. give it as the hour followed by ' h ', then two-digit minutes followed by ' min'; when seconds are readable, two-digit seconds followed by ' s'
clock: 7 h 30 min
